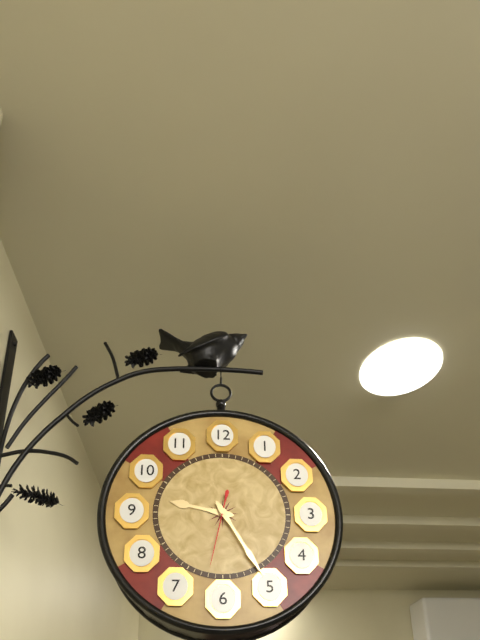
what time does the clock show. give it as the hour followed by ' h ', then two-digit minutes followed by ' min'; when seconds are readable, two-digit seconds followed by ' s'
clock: 9 h 25 min 32 s
